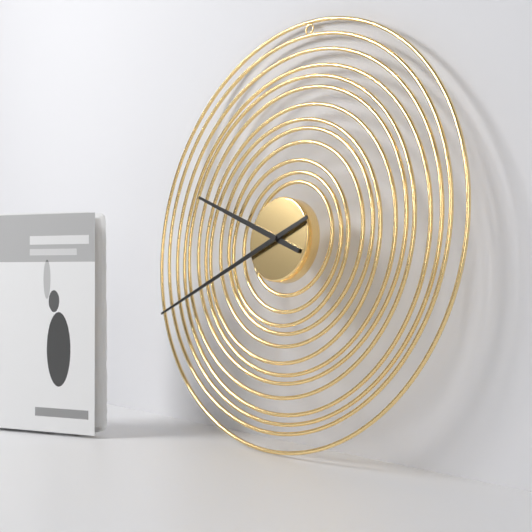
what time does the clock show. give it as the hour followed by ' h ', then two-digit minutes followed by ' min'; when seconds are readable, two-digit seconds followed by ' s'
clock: 9 h 41 min
